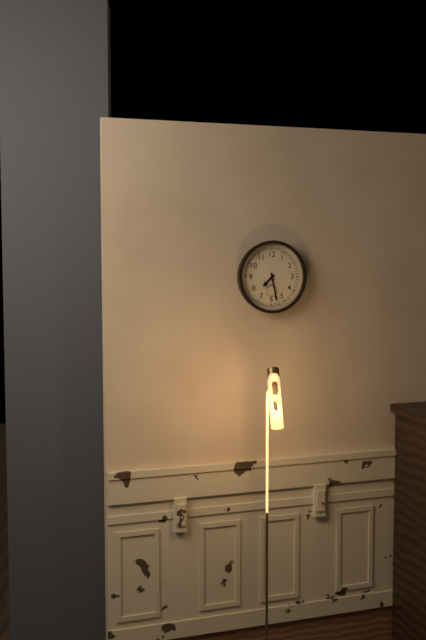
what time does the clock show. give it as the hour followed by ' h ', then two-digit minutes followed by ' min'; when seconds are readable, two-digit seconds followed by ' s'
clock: 7 h 28 min
